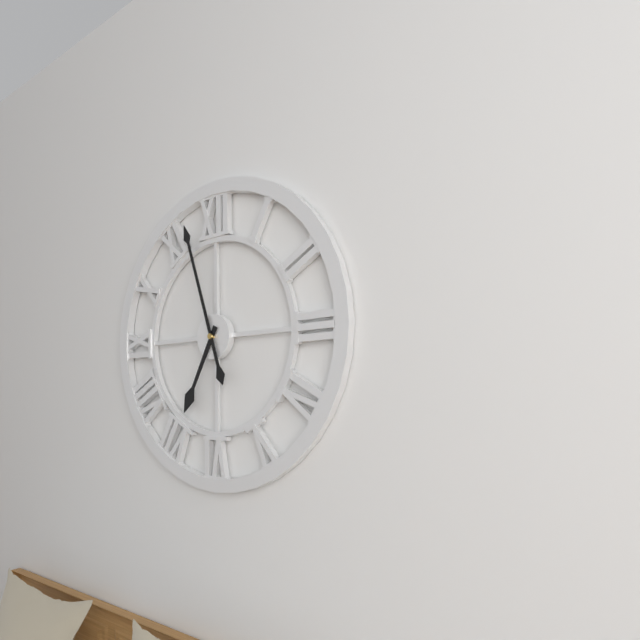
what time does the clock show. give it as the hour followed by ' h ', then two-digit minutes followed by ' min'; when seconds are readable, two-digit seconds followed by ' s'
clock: 6 h 57 min
